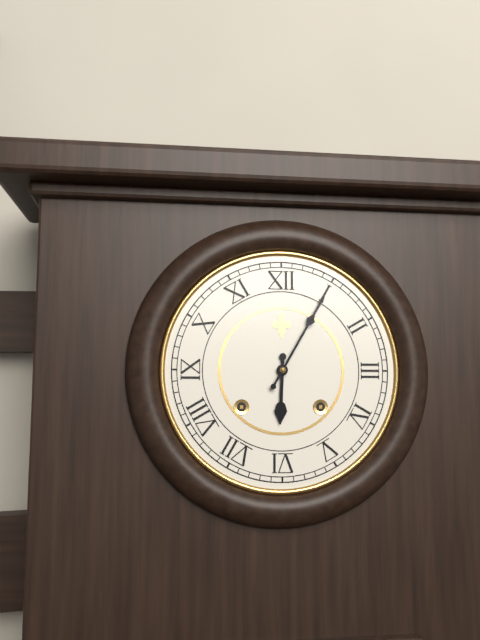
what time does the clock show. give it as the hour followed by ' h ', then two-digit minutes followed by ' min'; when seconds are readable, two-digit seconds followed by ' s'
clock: 6 h 05 min
